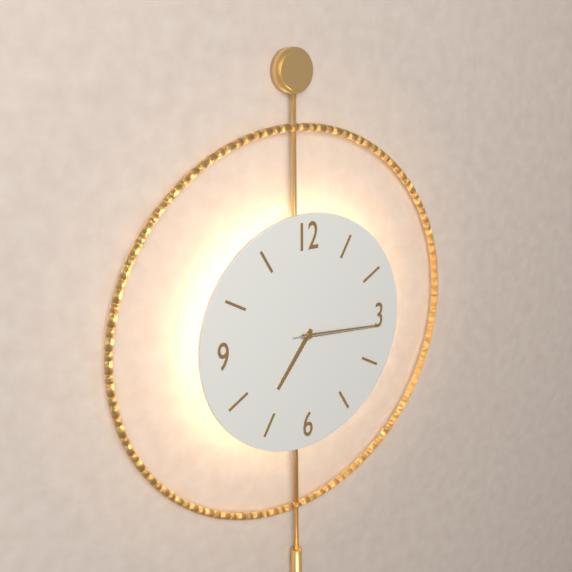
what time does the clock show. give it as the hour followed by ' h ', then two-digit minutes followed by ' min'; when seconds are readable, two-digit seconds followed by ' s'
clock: 7 h 16 min 16 s
